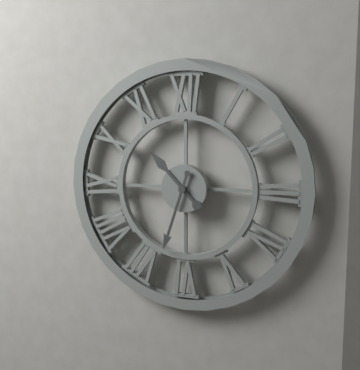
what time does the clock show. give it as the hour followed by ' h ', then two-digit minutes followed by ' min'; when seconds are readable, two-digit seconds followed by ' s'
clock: 10 h 33 min
